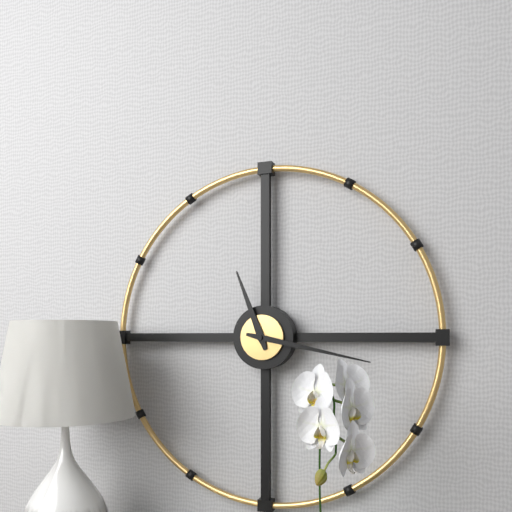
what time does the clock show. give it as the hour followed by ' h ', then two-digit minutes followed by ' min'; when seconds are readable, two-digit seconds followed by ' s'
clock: 11 h 17 min
